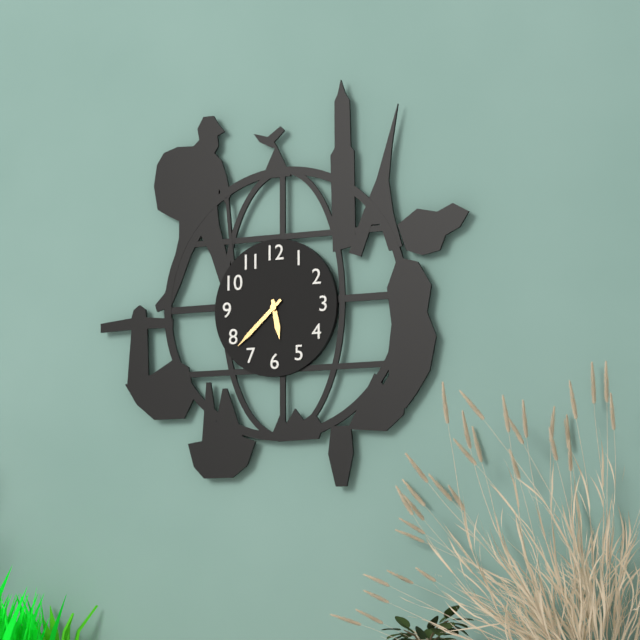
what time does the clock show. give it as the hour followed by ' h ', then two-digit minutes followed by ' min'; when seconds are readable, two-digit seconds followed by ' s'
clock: 5 h 38 min
